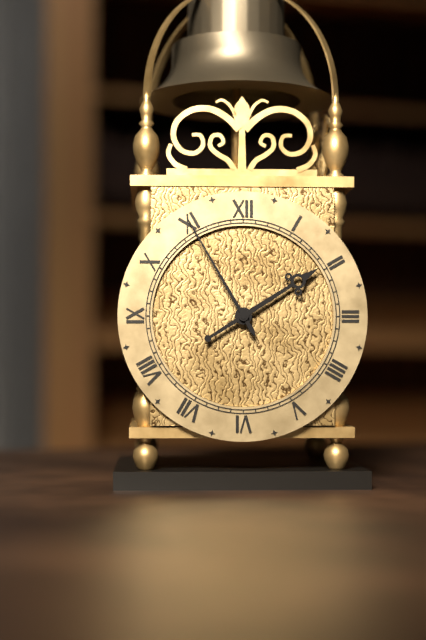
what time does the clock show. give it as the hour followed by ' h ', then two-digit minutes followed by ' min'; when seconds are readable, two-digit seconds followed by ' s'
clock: 1 h 55 min
